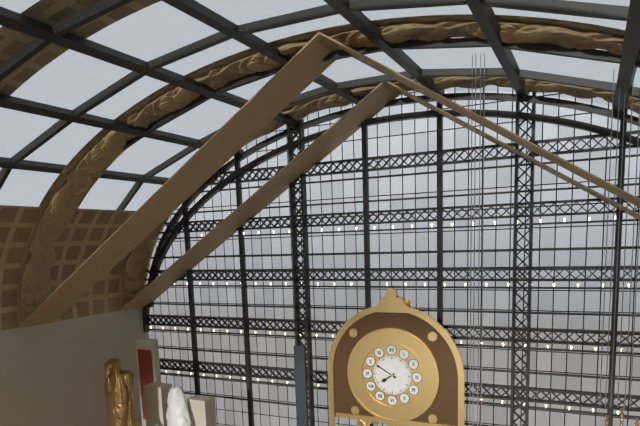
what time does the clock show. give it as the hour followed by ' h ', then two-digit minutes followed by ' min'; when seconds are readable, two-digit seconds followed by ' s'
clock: 7 h 50 min
